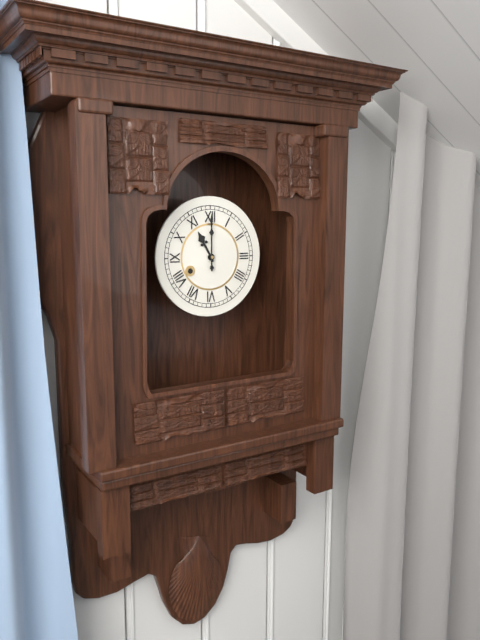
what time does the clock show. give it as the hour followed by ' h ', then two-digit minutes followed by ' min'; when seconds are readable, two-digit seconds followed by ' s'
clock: 11 h 00 min
